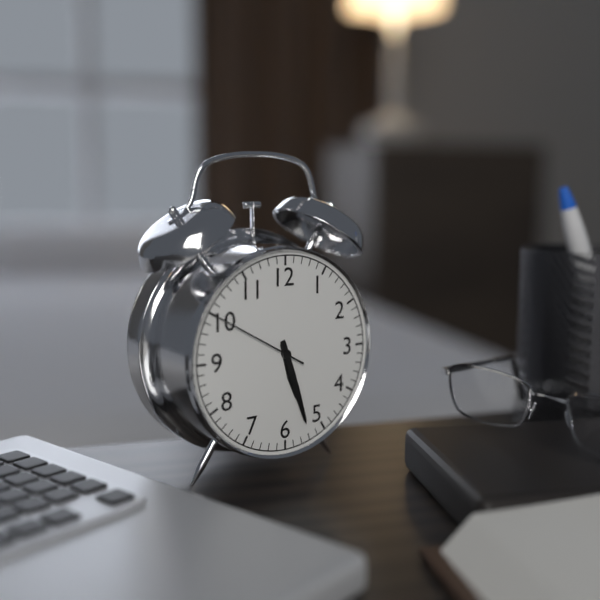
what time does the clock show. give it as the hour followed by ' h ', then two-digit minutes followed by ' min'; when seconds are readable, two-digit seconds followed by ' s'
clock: 5 h 27 min 50 s
